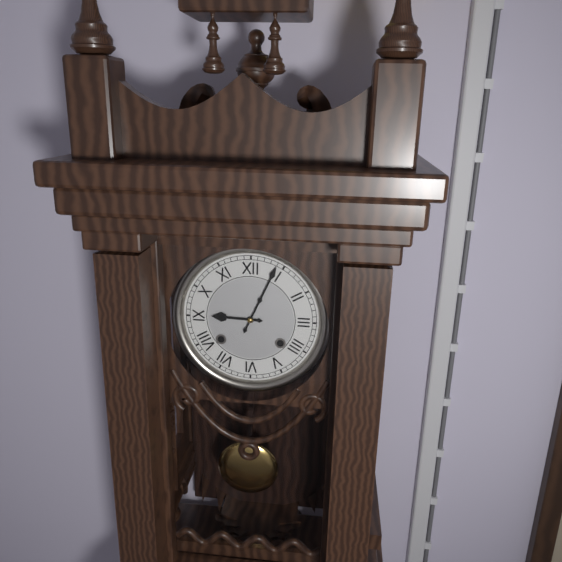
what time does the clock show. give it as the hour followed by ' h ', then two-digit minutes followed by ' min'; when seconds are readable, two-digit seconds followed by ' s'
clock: 9 h 04 min
